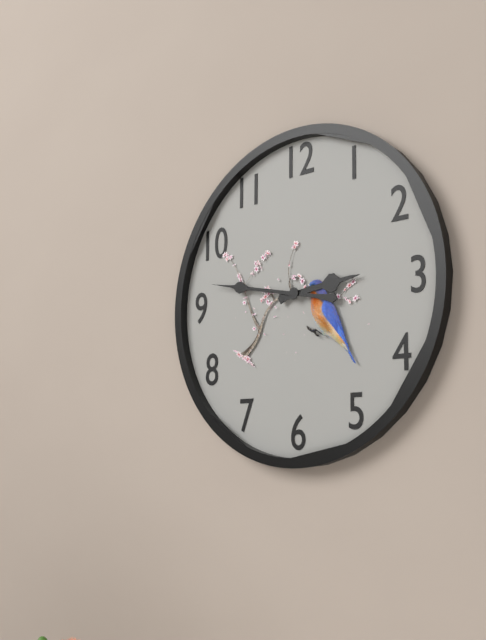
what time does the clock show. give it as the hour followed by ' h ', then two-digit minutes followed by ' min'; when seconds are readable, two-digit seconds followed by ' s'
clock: 2 h 47 min
